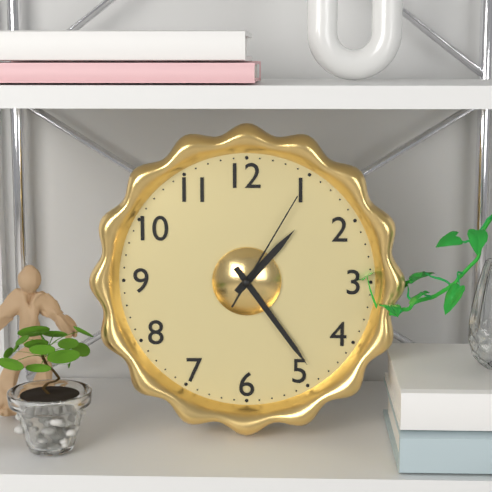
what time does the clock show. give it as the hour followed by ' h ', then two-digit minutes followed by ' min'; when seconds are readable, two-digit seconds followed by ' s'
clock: 1 h 24 min 05 s
